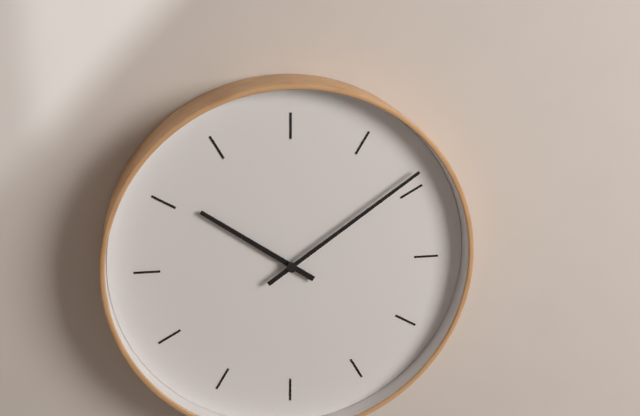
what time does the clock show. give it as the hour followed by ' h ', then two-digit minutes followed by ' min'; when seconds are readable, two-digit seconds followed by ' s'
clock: 10 h 09 min
